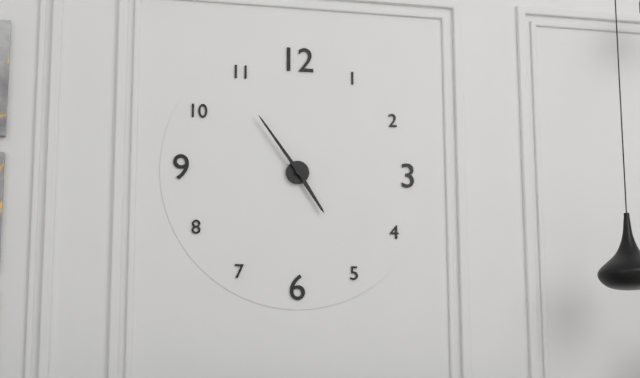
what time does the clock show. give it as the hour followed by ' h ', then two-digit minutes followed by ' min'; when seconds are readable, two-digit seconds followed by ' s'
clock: 4 h 54 min
